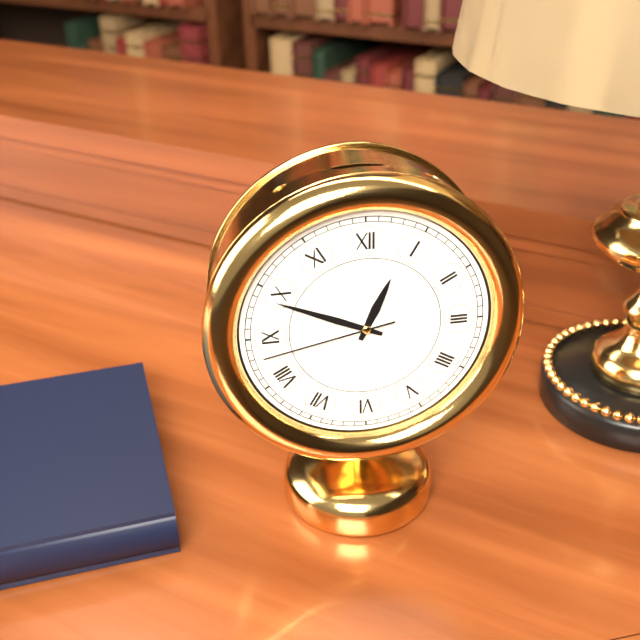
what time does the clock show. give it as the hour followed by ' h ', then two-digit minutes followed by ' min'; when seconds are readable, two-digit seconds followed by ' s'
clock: 12 h 49 min 43 s
